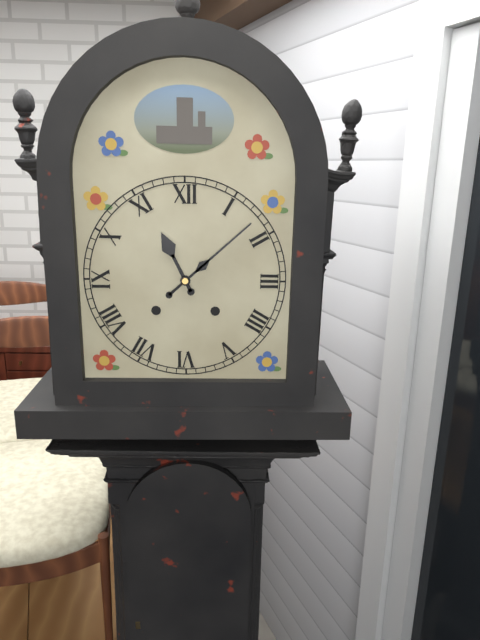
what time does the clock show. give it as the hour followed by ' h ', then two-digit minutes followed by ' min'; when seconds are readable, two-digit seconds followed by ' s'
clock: 11 h 08 min
